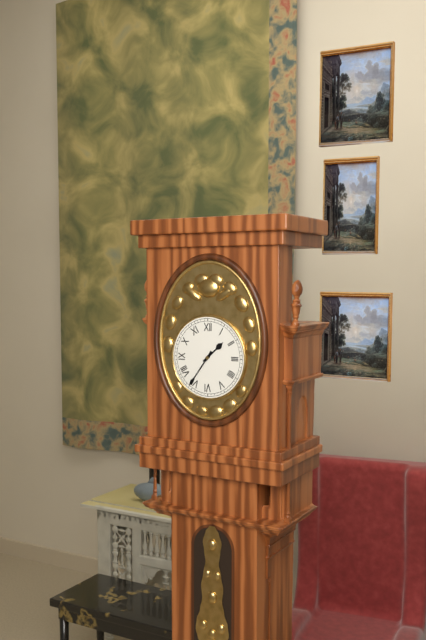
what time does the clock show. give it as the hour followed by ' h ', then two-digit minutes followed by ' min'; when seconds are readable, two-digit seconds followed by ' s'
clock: 1 h 36 min
